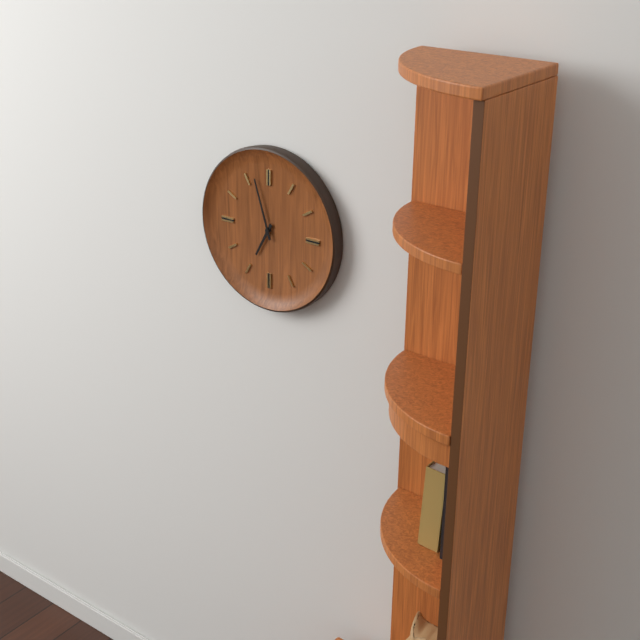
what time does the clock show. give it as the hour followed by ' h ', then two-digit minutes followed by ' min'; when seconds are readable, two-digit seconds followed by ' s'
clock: 6 h 57 min
